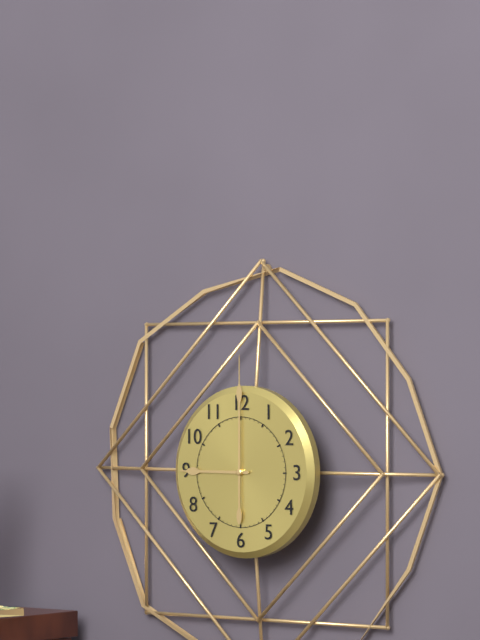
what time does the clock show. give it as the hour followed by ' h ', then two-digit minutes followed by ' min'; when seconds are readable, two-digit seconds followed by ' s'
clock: 9 h 00 min
